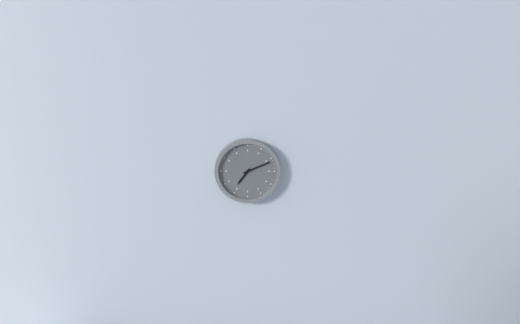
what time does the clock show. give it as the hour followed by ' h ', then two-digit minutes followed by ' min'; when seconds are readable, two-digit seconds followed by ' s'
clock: 7 h 11 min
